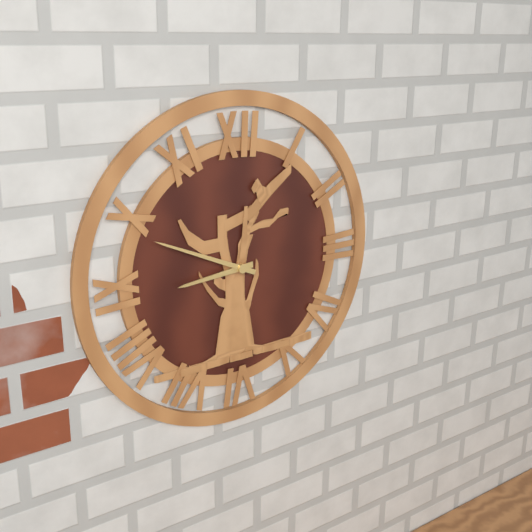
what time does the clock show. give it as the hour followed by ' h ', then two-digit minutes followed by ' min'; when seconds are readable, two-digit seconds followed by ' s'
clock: 8 h 49 min
